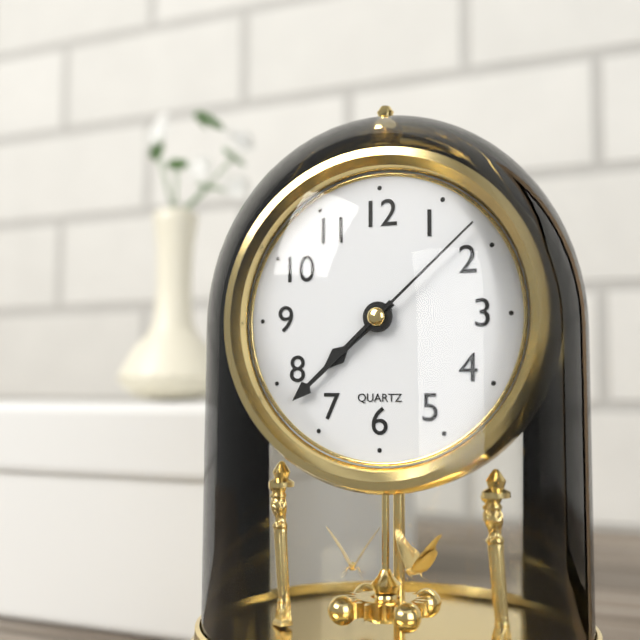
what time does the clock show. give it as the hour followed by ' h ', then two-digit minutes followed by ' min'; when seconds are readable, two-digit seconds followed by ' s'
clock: 7 h 38 min 08 s
